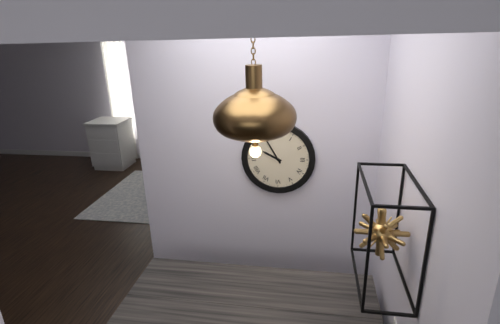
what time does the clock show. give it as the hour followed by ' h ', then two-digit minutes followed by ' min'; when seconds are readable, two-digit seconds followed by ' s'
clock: 9 h 55 min
